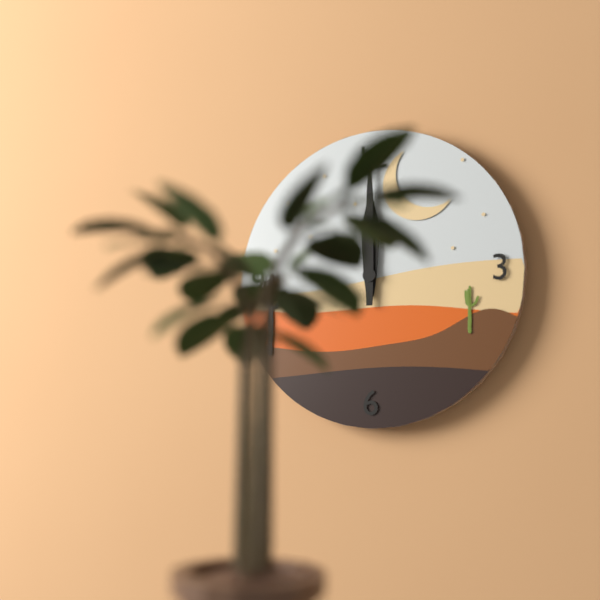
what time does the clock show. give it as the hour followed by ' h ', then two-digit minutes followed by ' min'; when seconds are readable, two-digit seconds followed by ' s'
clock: 12 h 00 min
